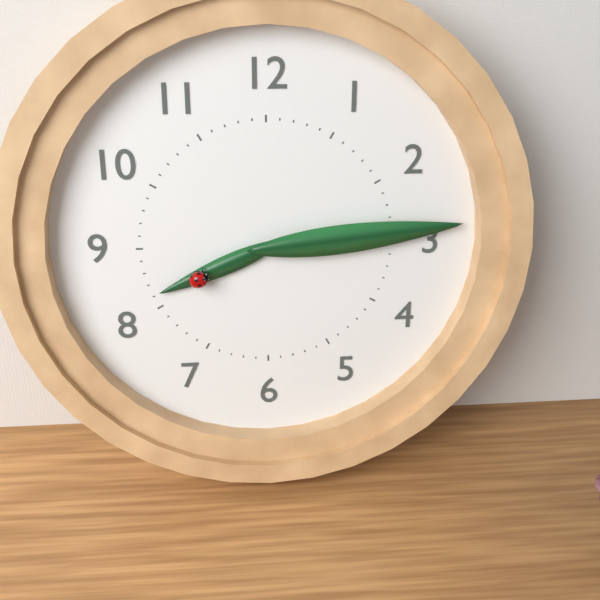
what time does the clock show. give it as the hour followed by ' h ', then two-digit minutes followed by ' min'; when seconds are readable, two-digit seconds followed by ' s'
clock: 8 h 14 min
